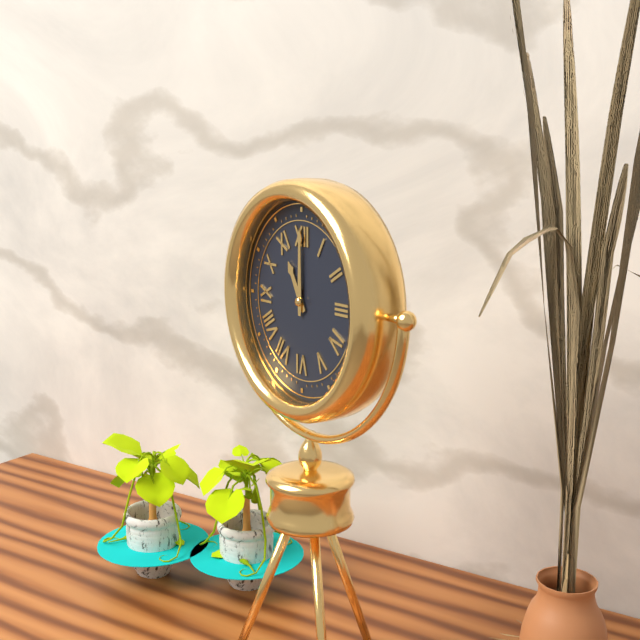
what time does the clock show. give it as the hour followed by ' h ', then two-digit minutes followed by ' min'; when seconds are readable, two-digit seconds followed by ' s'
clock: 11 h 00 min
